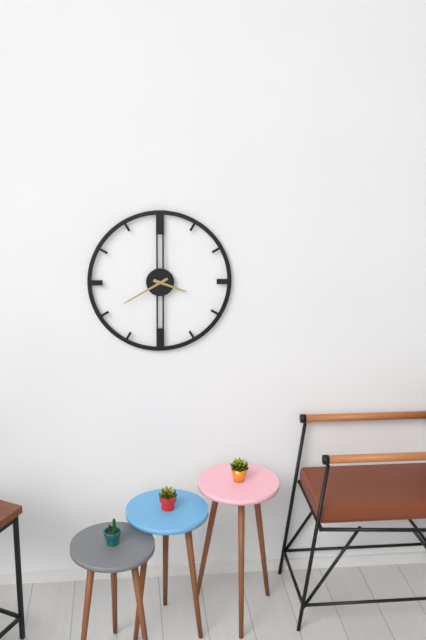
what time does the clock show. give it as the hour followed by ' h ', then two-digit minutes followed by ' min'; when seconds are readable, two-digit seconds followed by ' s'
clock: 3 h 40 min
